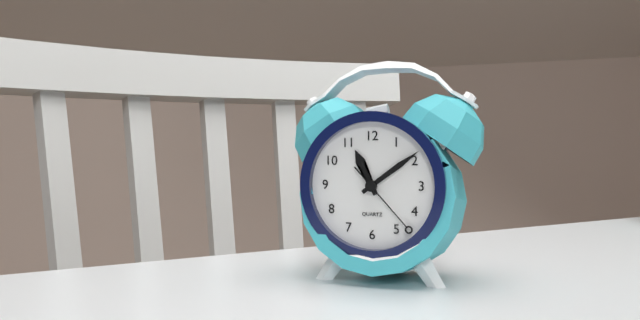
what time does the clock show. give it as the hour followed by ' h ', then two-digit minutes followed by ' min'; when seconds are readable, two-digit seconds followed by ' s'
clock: 11 h 09 min 23 s
